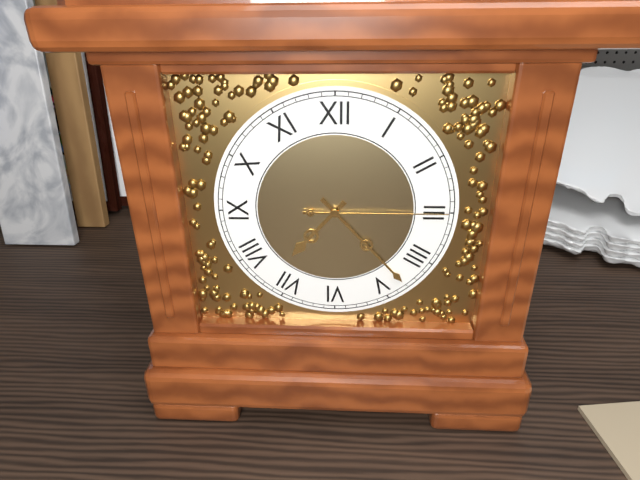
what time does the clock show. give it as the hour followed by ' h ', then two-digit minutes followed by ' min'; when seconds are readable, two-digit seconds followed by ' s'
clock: 7 h 23 min 15 s
